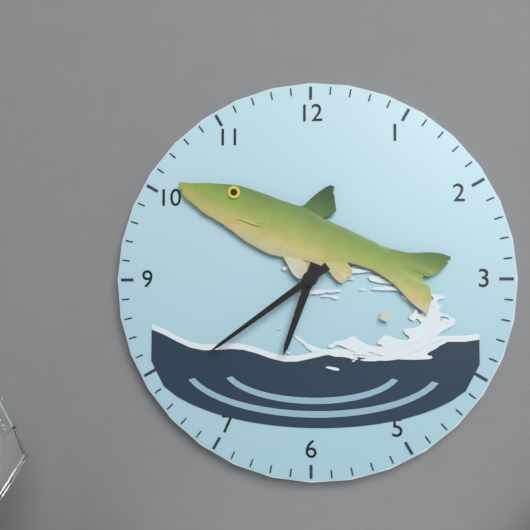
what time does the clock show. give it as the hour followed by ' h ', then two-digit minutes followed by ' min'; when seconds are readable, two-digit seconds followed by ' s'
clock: 6 h 39 min
